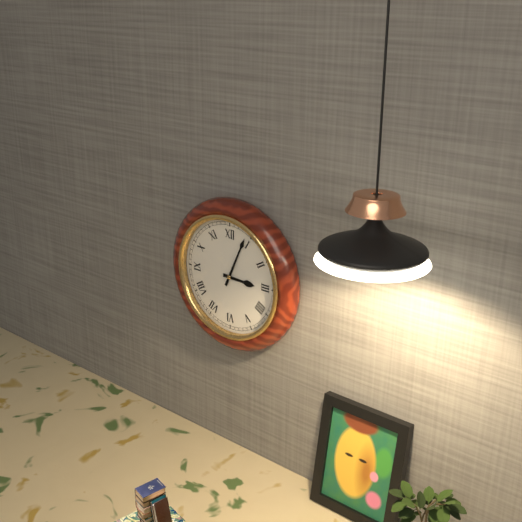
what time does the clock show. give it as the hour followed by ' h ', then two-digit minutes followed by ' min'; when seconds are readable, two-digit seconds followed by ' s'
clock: 3 h 04 min
